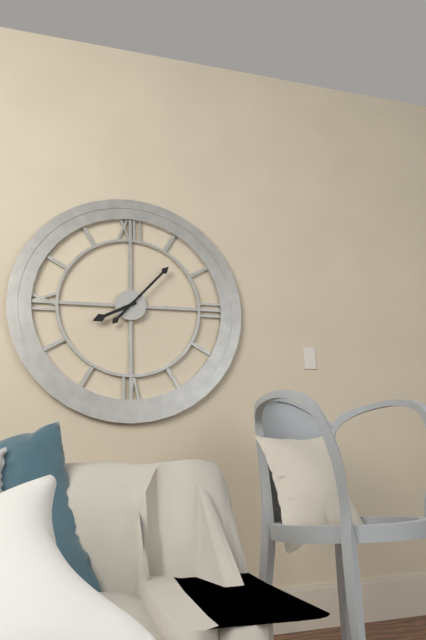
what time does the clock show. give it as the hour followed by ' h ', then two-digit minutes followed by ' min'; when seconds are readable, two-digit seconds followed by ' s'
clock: 8 h 07 min
